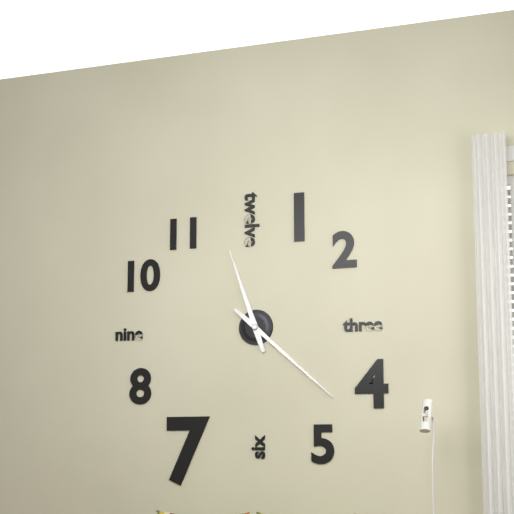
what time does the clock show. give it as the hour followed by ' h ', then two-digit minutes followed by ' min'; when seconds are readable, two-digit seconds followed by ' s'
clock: 11 h 22 min
